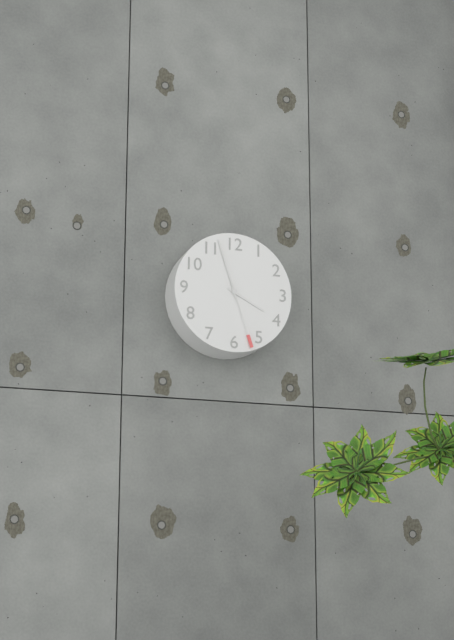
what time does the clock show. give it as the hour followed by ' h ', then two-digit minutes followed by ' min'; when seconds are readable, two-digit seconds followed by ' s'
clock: 3 h 57 min 27 s
